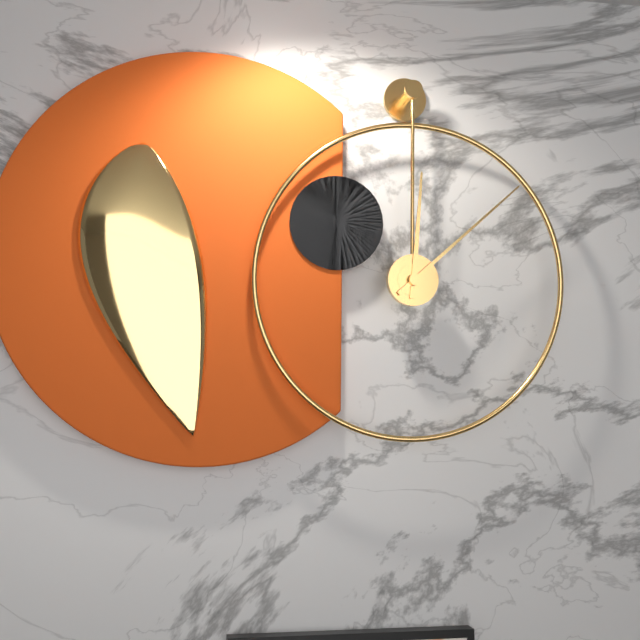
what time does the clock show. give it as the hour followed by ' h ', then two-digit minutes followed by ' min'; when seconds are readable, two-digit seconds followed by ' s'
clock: 12 h 08 min
